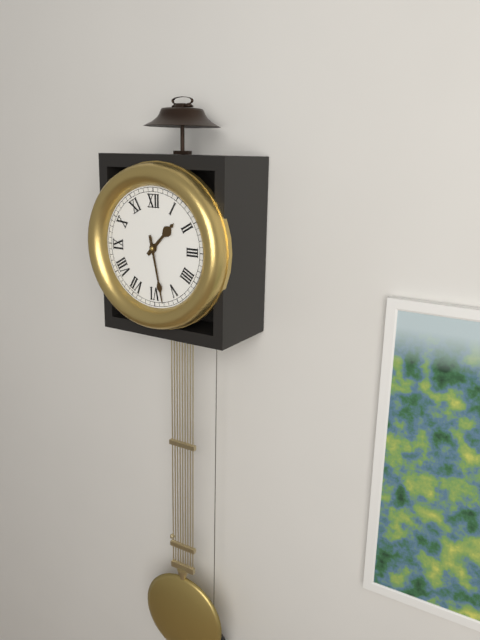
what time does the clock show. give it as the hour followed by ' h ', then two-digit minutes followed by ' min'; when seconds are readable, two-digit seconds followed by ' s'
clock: 1 h 28 min
